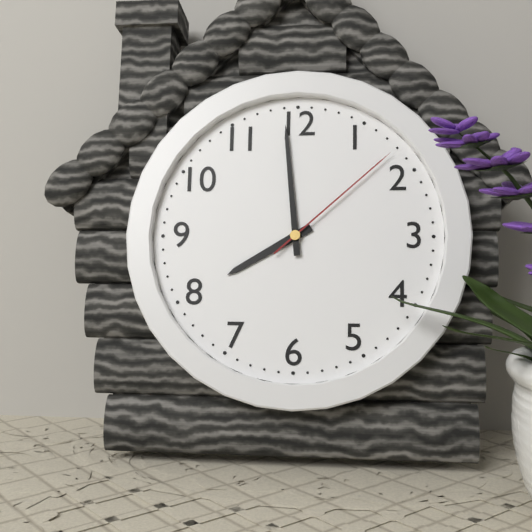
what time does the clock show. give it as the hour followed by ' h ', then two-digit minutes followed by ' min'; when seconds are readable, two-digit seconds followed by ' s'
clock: 7 h 59 min 08 s
